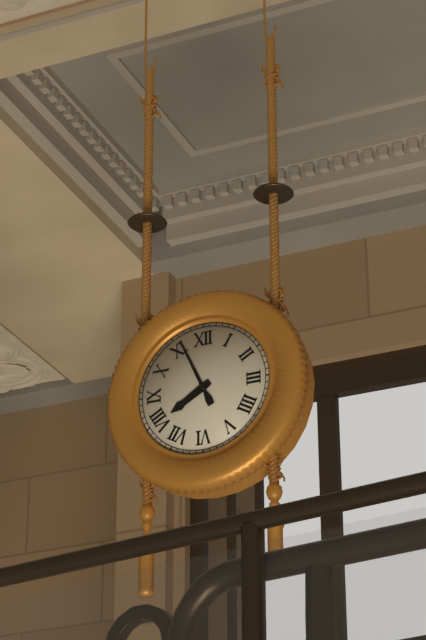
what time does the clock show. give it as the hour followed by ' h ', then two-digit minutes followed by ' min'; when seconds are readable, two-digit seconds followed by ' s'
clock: 7 h 56 min
